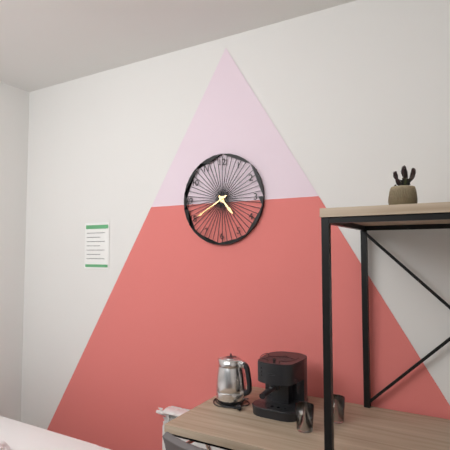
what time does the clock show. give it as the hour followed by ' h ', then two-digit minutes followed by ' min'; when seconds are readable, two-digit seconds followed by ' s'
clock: 4 h 40 min
